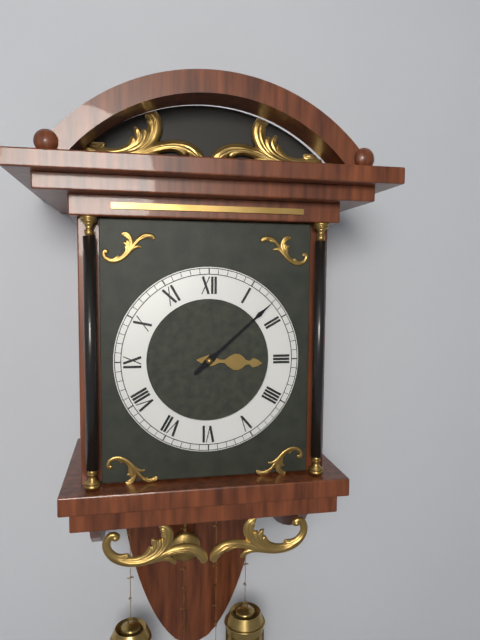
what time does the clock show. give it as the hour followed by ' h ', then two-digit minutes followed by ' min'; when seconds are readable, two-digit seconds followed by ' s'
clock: 3 h 08 min
